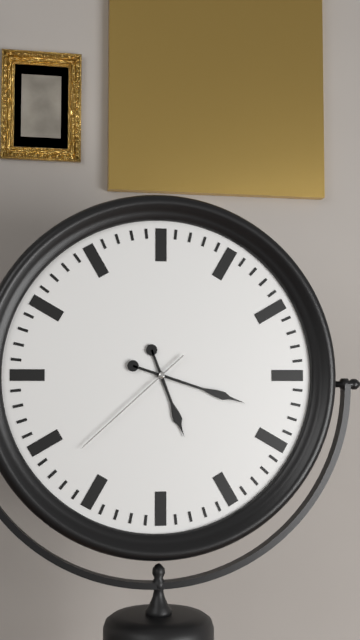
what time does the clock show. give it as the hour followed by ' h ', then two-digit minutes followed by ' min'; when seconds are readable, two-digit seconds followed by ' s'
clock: 5 h 18 min 38 s
